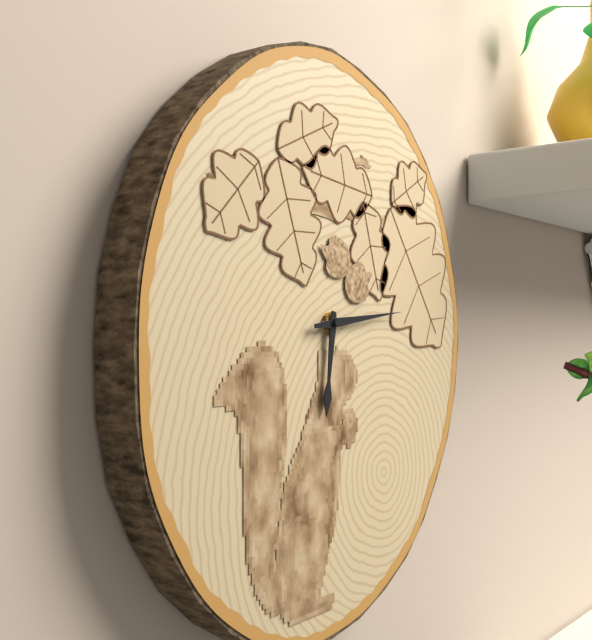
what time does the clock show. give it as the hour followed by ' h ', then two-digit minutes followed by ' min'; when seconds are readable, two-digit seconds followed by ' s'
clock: 6 h 14 min
